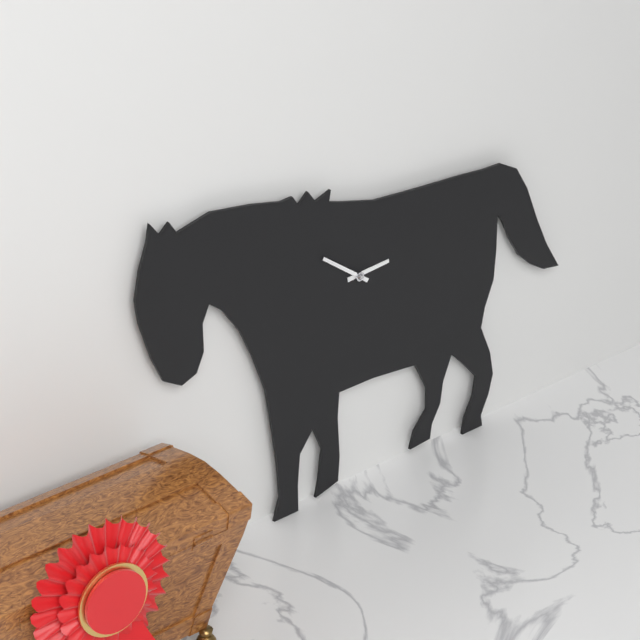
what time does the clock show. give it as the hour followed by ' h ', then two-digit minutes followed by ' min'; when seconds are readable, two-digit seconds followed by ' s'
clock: 2 h 51 min
